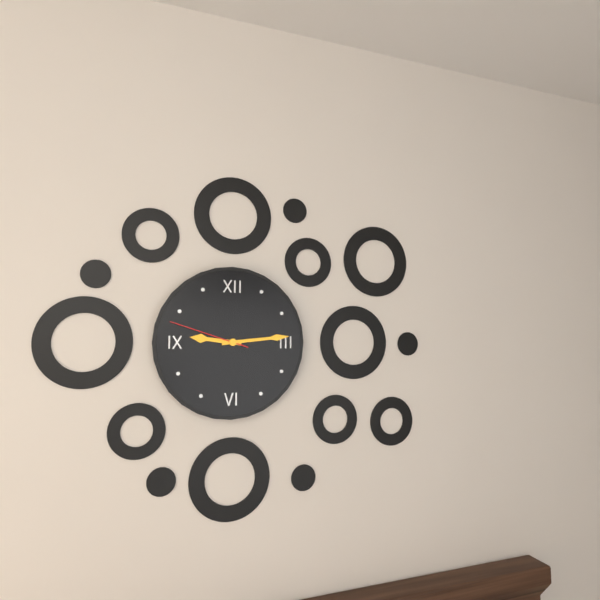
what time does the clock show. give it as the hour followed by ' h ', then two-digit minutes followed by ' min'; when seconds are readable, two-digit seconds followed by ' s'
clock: 9 h 14 min 48 s
